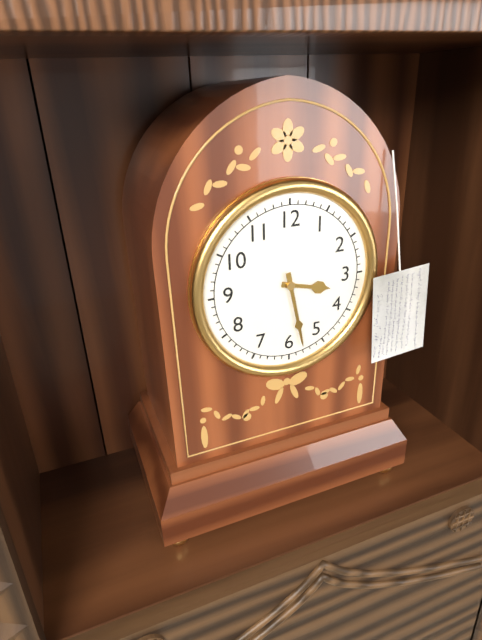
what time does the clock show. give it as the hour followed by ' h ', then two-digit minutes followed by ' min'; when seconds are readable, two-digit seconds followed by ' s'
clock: 3 h 28 min
